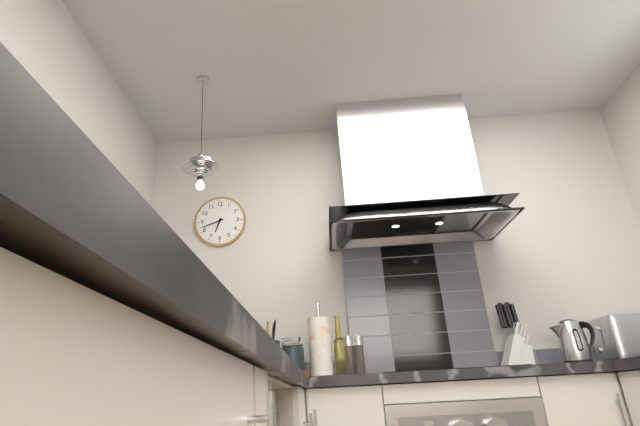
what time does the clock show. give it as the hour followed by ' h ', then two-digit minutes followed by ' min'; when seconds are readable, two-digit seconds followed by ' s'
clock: 6 h 42 min
